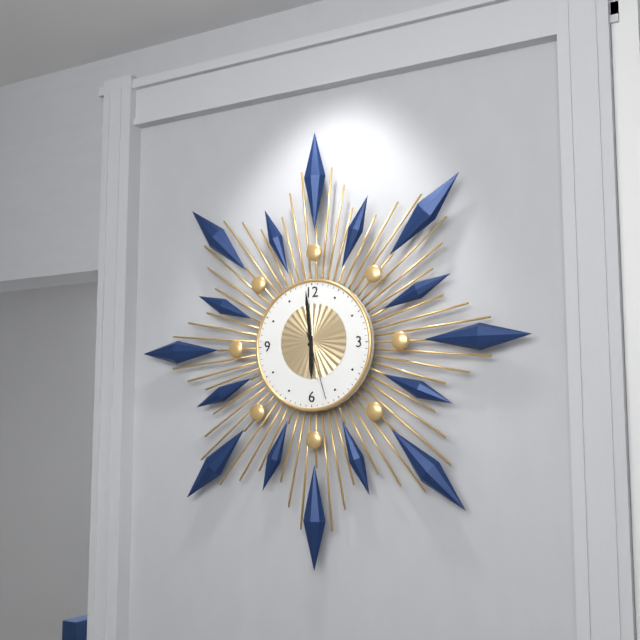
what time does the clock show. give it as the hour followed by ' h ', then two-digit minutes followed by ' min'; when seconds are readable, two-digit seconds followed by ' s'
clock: 5 h 59 min 27 s
